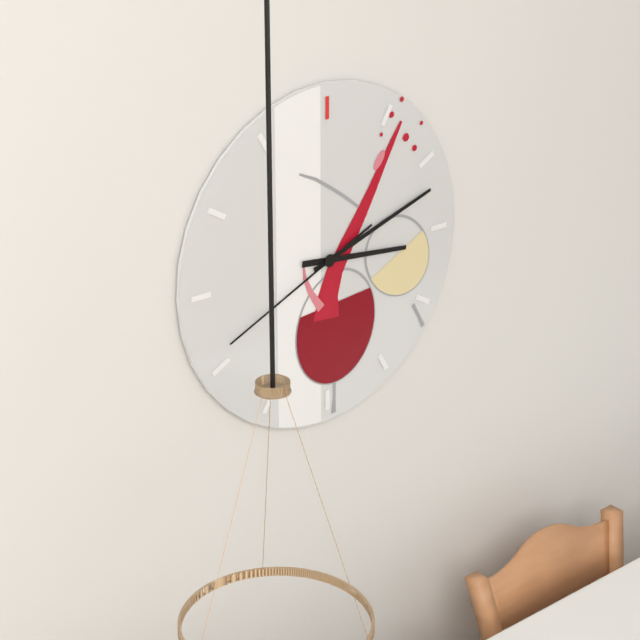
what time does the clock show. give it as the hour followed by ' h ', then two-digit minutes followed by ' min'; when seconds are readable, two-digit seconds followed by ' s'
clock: 3 h 12 min 41 s
